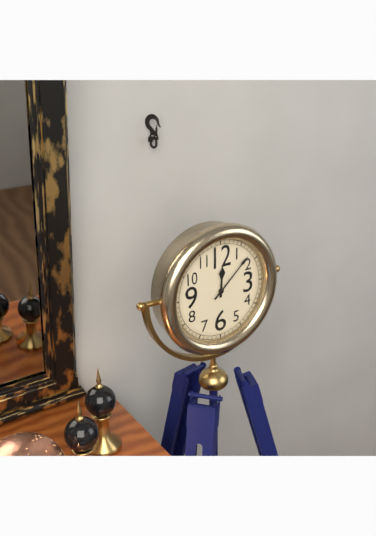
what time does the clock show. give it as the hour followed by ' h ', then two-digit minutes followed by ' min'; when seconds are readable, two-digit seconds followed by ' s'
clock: 12 h 08 min
